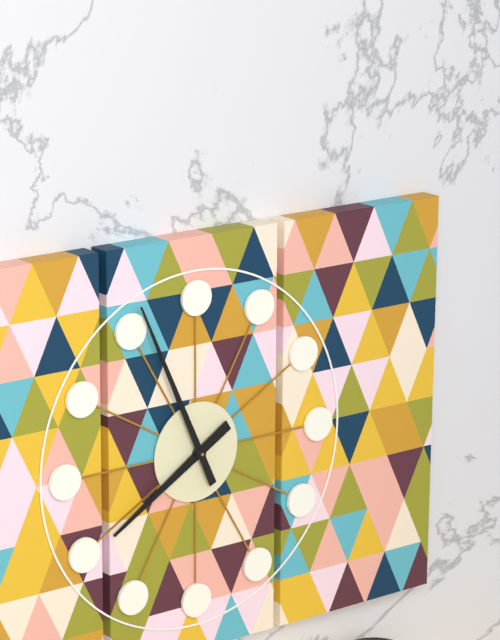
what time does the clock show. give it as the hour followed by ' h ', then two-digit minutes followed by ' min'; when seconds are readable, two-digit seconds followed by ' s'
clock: 7 h 56 min
